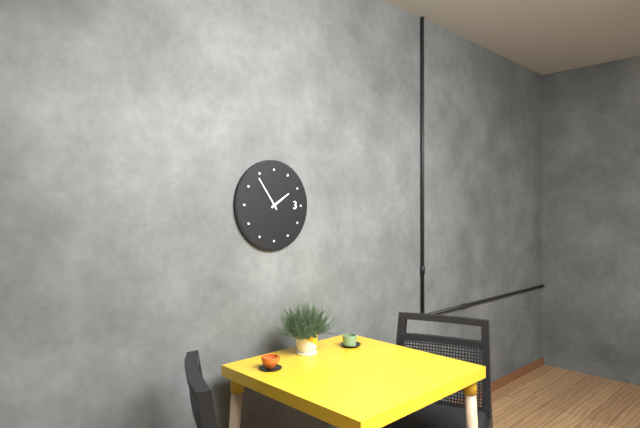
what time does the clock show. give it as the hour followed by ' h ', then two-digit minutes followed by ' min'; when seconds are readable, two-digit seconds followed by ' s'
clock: 1 h 54 min
